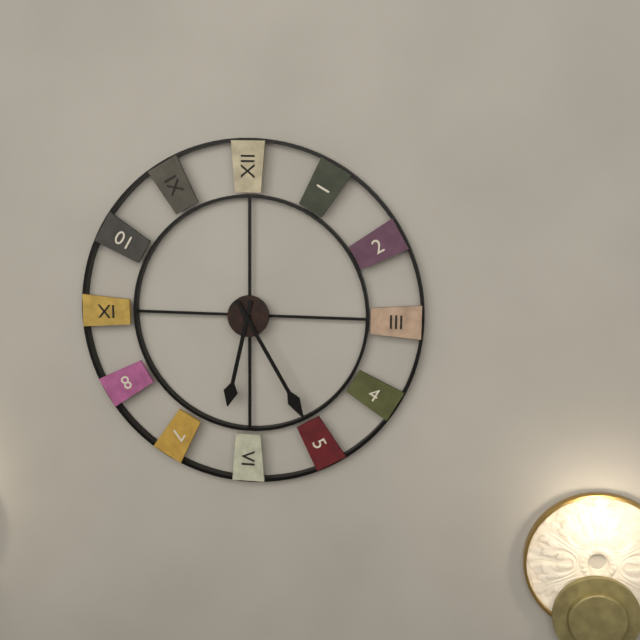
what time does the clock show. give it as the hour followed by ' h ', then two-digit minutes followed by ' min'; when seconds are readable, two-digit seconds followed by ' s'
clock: 6 h 25 min
